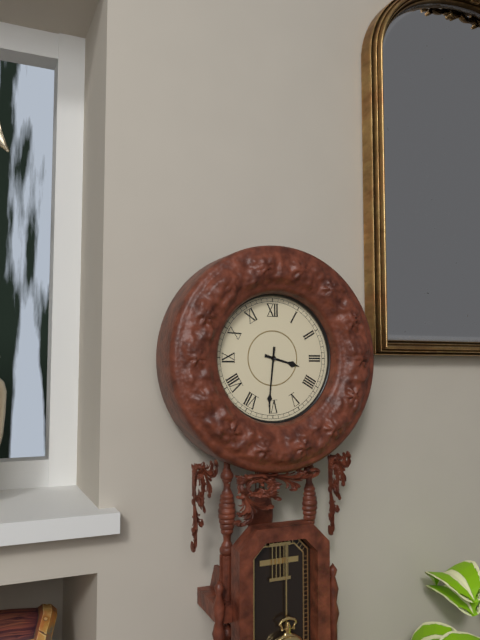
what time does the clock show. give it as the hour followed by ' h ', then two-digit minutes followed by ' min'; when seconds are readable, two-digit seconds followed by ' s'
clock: 3 h 31 min
